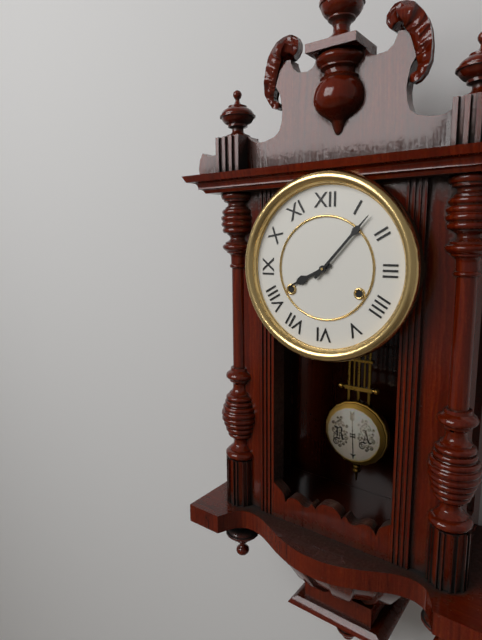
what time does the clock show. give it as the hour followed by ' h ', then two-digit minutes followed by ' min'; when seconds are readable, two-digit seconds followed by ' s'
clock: 8 h 07 min
